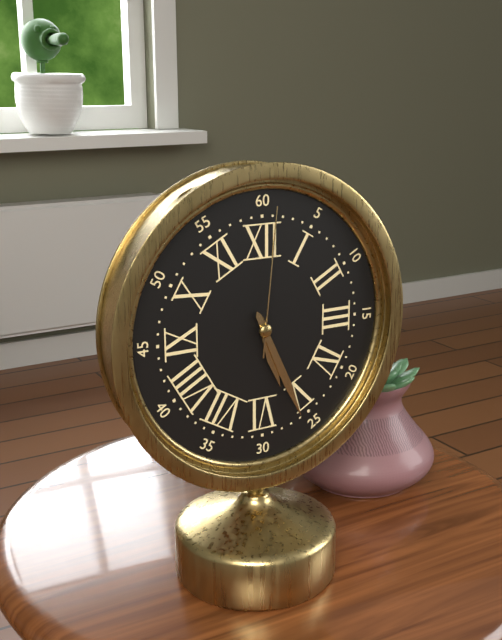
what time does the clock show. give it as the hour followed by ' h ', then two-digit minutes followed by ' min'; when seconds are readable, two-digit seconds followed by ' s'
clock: 5 h 26 min 01 s
